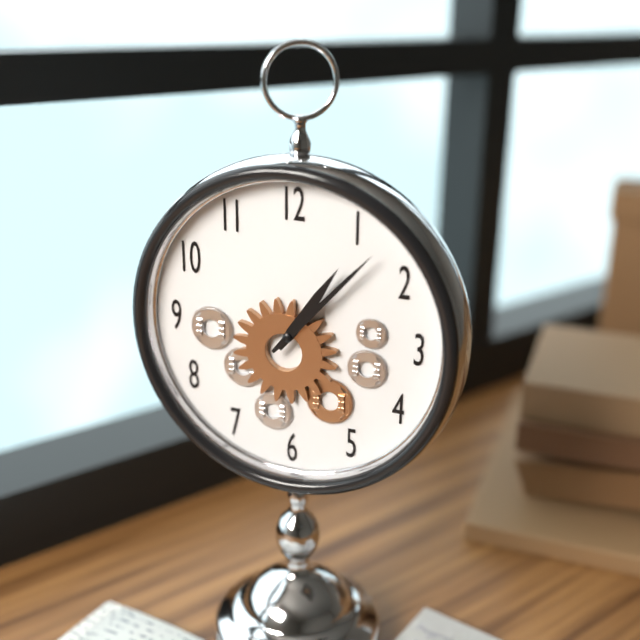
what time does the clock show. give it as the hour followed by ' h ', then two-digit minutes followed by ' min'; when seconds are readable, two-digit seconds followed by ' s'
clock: 1 h 07 min
